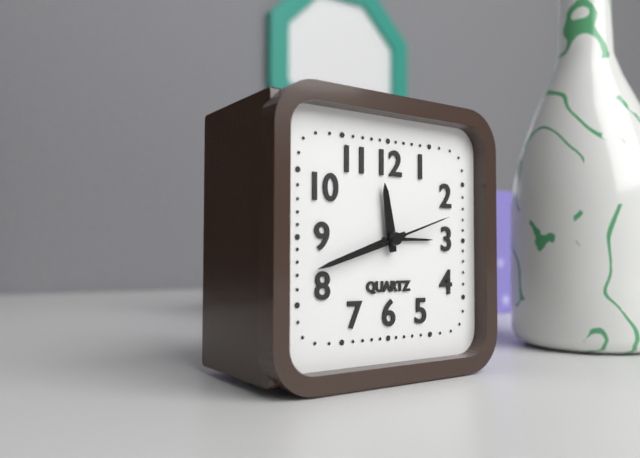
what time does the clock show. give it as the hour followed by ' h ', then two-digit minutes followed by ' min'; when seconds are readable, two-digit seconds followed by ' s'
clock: 11 h 42 min 12 s
